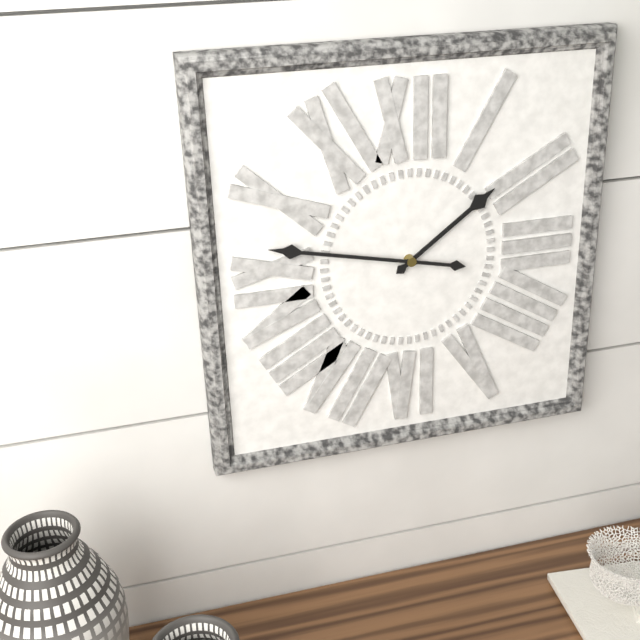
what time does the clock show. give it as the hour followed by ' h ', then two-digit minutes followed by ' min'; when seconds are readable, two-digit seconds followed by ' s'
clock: 1 h 47 min
